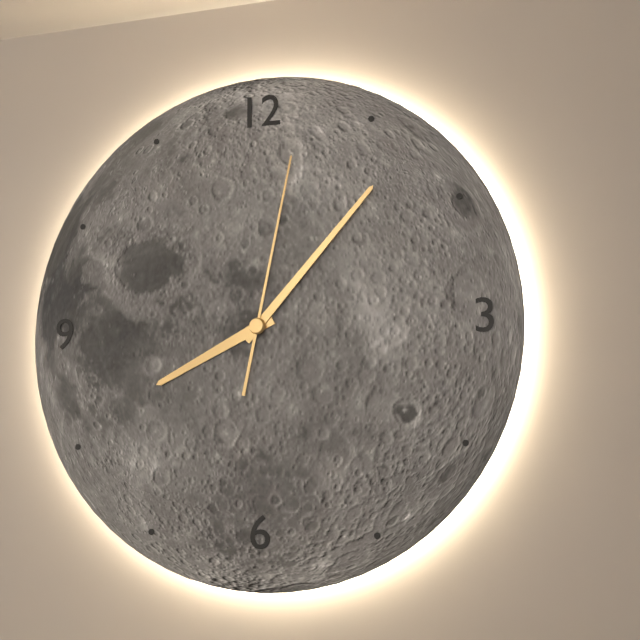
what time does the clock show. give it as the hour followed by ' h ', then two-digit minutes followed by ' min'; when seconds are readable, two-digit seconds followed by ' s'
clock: 8 h 07 min 02 s
